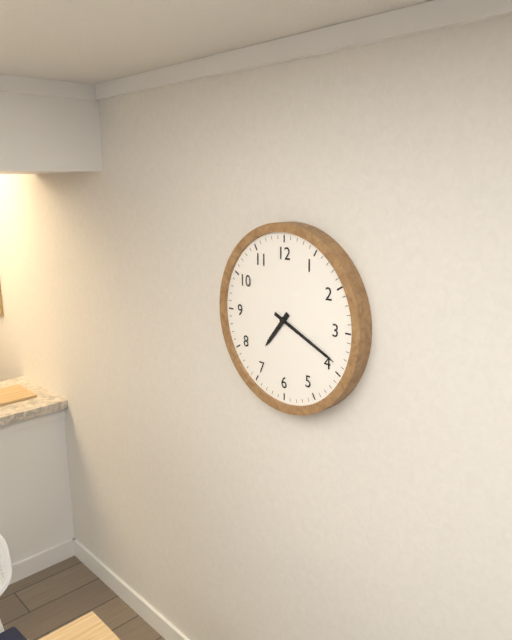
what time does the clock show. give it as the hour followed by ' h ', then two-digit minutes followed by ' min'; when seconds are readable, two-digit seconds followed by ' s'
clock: 7 h 19 min
